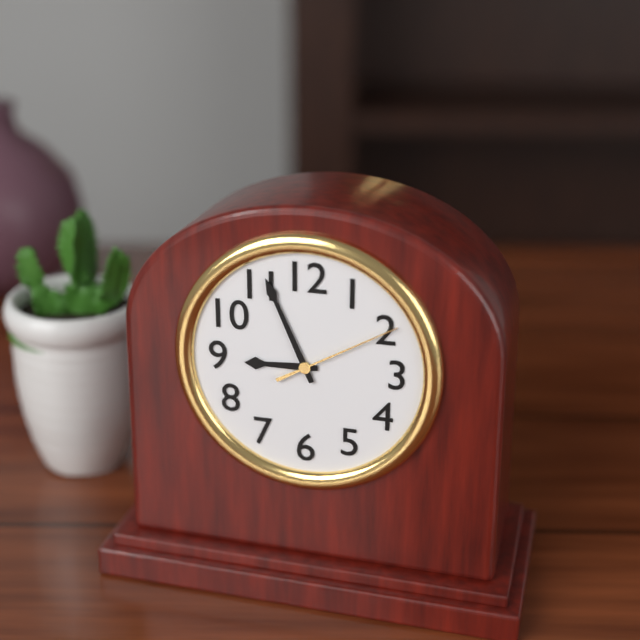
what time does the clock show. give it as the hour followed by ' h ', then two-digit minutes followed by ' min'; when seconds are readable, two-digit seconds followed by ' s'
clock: 8 h 56 min 10 s
